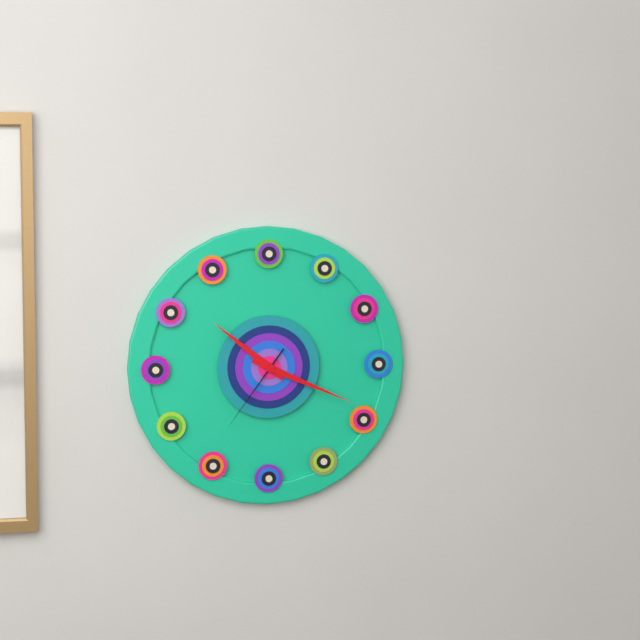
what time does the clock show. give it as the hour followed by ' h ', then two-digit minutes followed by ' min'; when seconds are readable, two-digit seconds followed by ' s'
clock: 10 h 19 min 36 s
